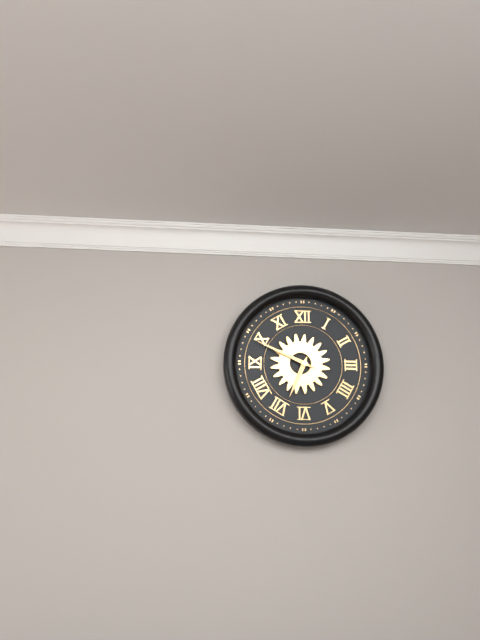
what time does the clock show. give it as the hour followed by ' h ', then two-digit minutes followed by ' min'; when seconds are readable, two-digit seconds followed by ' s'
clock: 6 h 49 min
